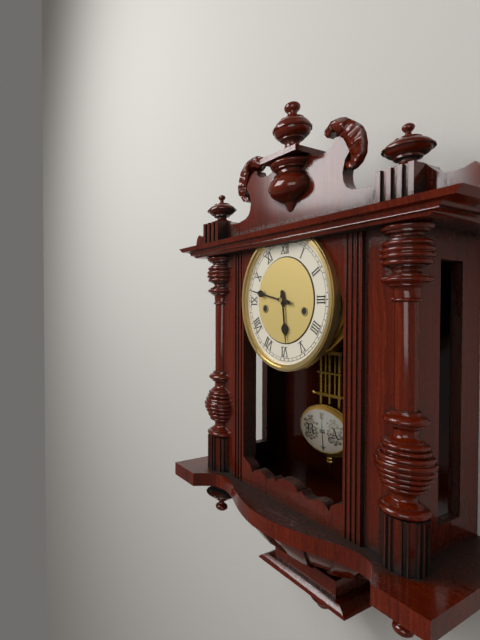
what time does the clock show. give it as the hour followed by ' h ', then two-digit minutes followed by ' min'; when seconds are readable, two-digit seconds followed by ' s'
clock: 5 h 47 min
